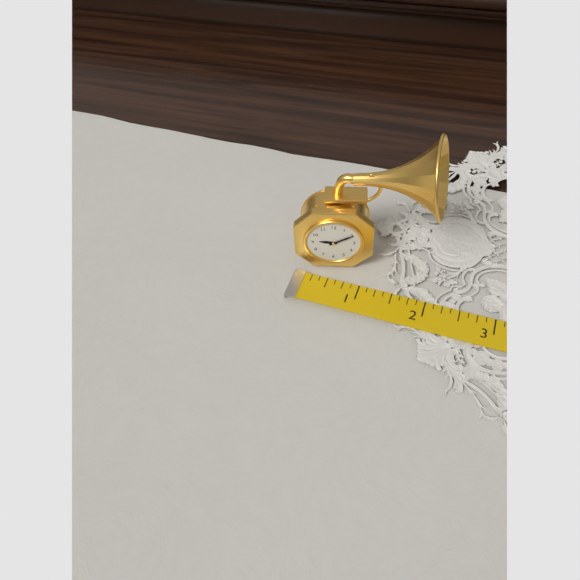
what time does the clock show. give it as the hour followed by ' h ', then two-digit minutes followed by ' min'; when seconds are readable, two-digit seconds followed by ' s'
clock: 9 h 10 min
